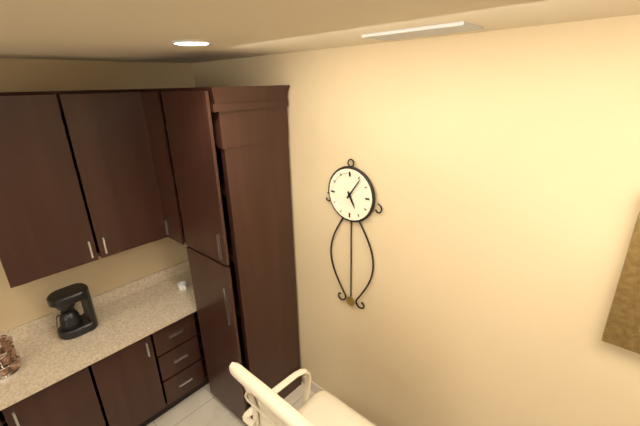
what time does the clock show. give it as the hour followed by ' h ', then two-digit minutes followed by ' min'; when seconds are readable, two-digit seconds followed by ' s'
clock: 5 h 06 min
